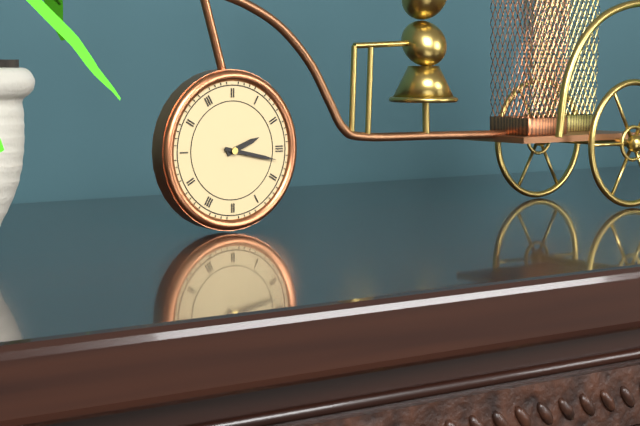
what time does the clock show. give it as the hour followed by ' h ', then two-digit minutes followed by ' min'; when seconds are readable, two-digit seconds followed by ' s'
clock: 2 h 17 min
